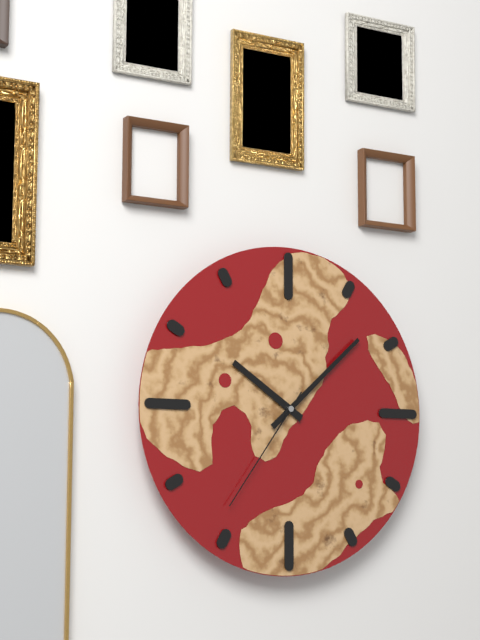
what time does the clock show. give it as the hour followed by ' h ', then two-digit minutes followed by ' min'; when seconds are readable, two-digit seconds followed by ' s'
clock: 10 h 08 min 36 s
